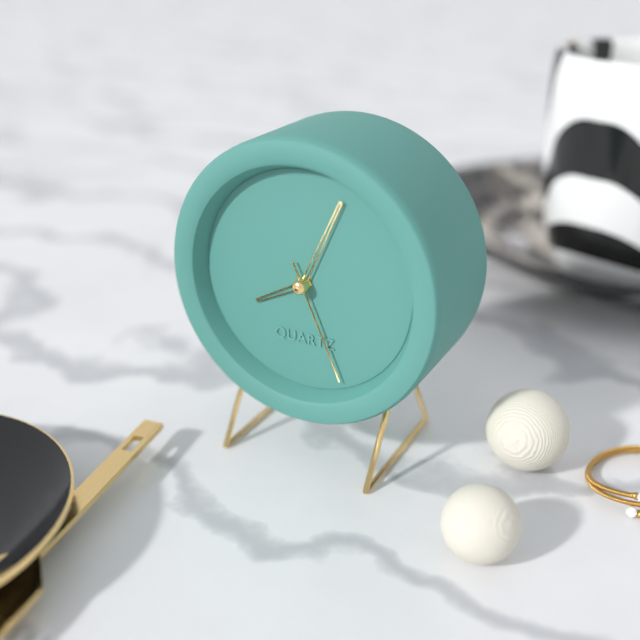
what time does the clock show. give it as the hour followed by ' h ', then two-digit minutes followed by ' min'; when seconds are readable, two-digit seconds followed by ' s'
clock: 8 h 04 min 26 s
